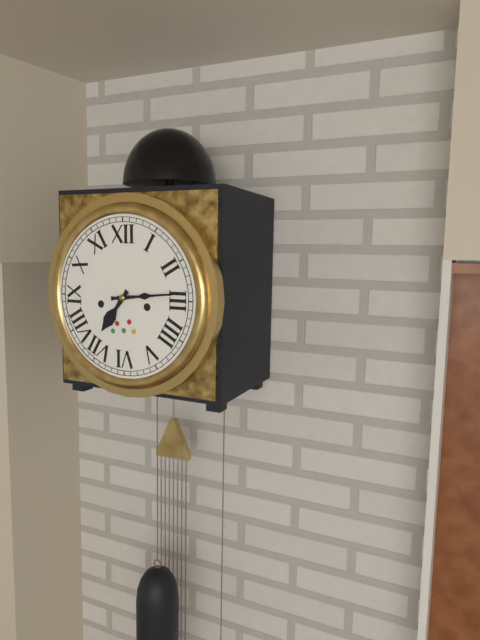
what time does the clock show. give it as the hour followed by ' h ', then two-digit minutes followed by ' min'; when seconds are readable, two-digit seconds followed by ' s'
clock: 7 h 14 min
